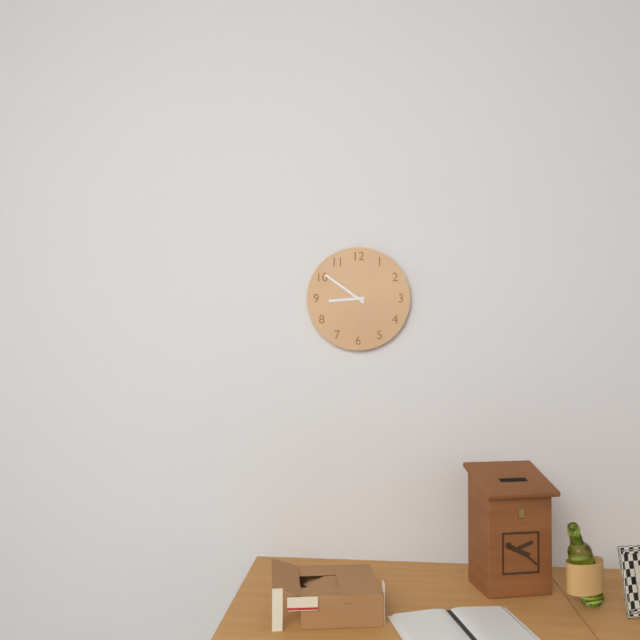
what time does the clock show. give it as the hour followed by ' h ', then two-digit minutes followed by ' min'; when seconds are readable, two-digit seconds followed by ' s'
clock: 8 h 51 min
